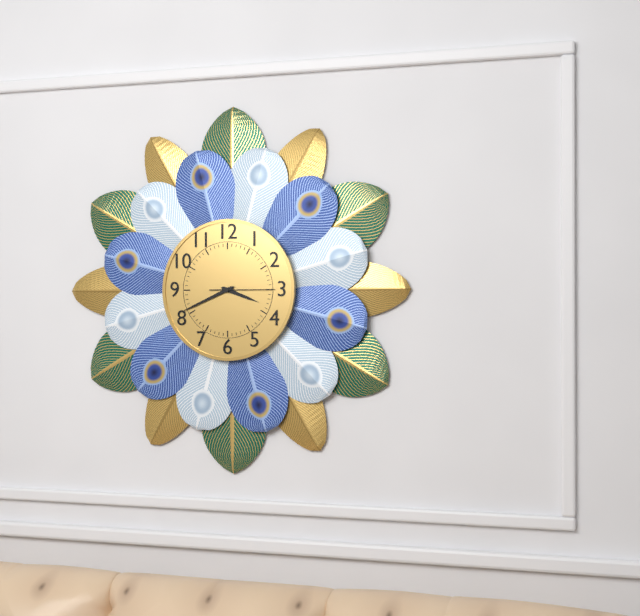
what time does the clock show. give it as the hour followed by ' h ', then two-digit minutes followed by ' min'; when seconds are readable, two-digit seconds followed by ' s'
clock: 3 h 41 min 15 s
